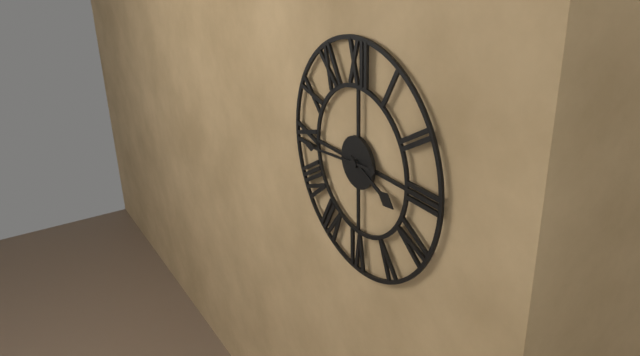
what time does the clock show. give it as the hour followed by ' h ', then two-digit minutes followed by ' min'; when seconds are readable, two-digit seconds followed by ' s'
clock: 3 h 44 min
